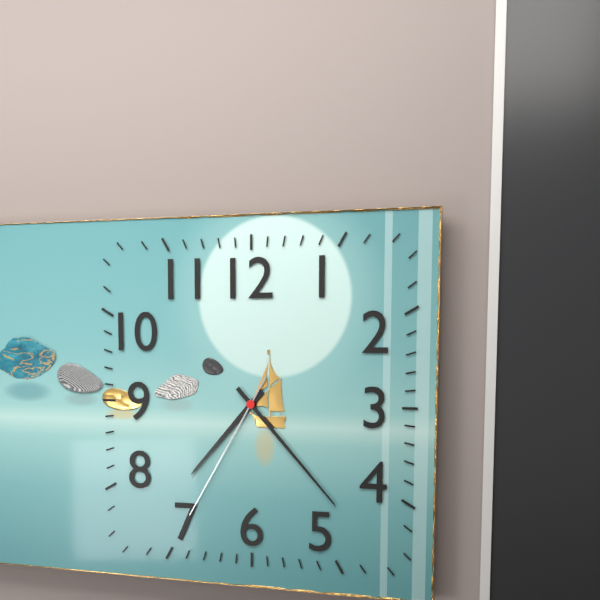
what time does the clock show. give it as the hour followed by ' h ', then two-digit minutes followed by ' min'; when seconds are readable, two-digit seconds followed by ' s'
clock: 7 h 23 min 35 s
